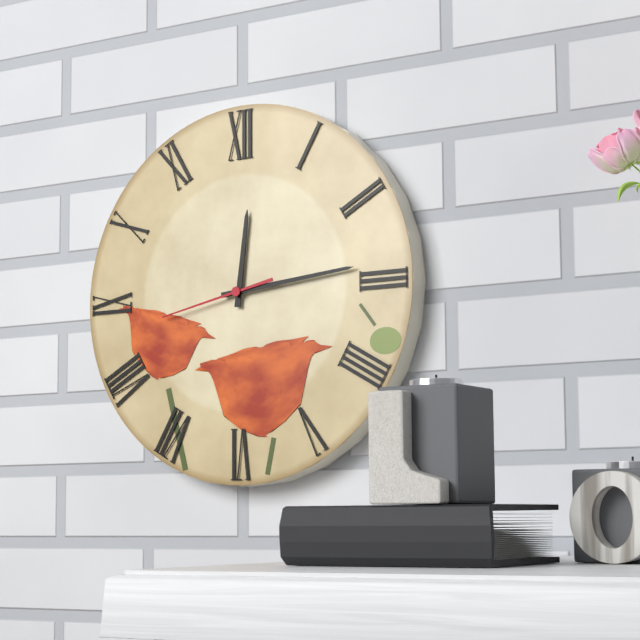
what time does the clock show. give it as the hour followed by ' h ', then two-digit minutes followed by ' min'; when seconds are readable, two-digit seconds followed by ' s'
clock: 12 h 14 min 43 s
